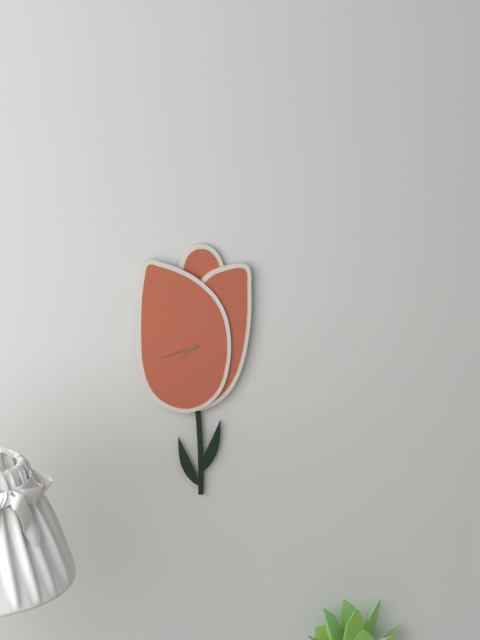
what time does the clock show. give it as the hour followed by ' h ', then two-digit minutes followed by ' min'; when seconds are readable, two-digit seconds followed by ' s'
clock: 7 h 42 min
